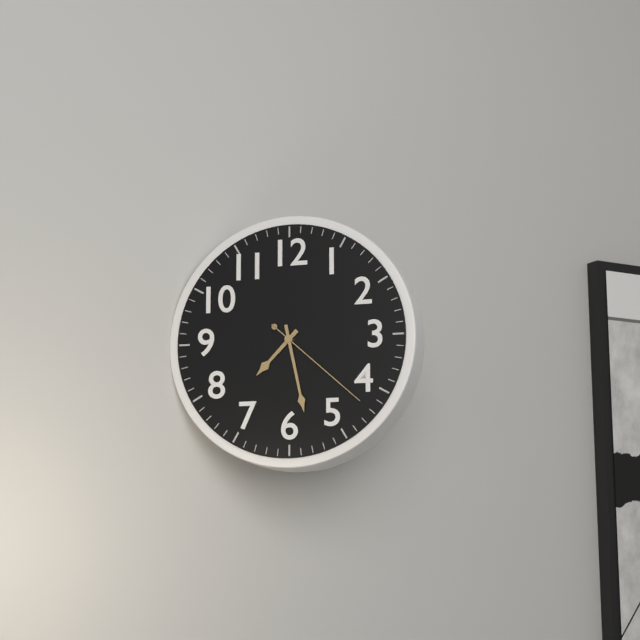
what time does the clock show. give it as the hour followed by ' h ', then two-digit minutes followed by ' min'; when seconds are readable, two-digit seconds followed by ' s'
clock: 7 h 28 min 22 s
